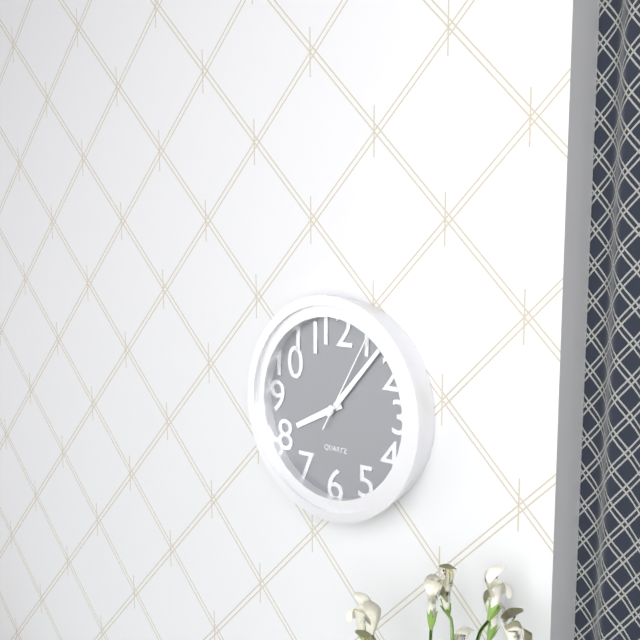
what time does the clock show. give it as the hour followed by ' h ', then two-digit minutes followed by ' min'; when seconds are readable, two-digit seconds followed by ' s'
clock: 8 h 07 min 05 s
